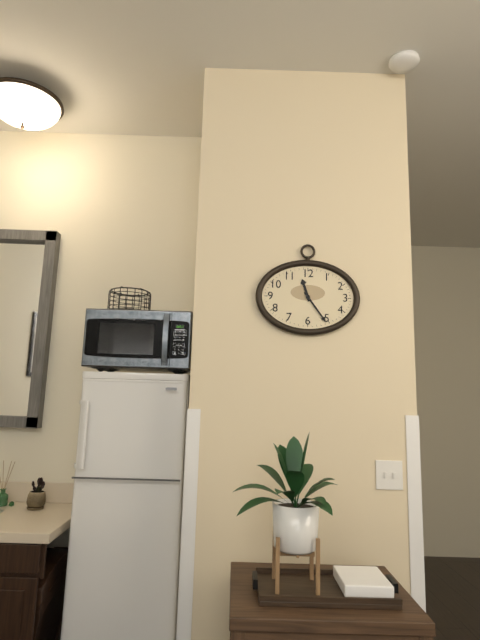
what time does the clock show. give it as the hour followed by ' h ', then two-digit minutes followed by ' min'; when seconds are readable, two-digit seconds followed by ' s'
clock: 11 h 24 min
